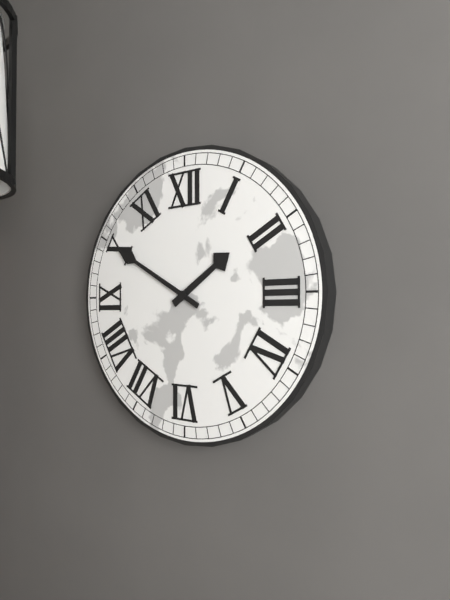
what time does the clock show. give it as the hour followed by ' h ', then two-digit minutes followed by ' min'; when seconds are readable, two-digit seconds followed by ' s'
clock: 1 h 50 min
